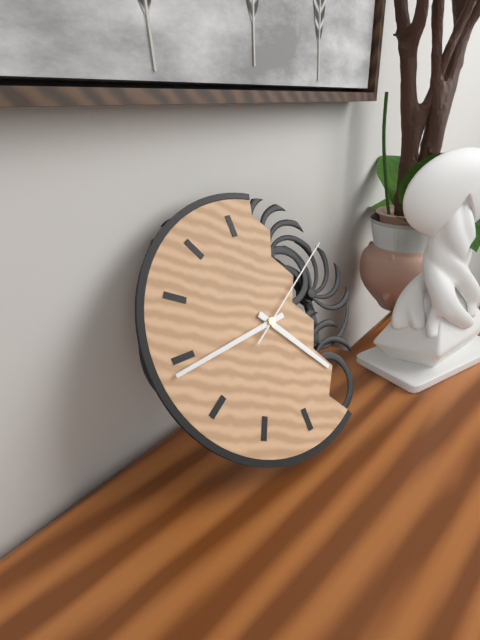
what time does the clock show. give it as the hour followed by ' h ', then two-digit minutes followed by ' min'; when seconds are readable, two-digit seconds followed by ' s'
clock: 4 h 44 min 10 s
